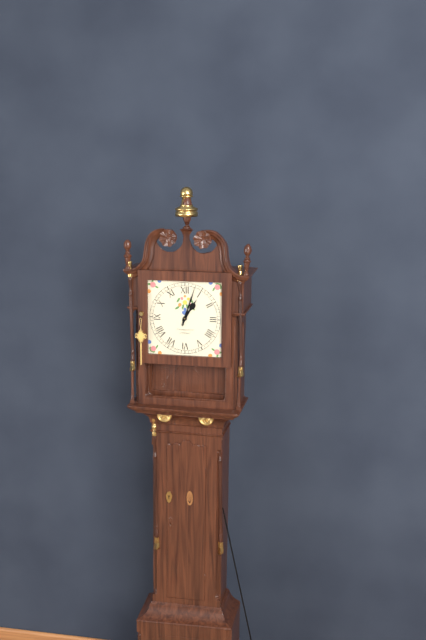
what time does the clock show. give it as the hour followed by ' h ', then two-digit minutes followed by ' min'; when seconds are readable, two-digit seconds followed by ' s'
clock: 1 h 03 min
